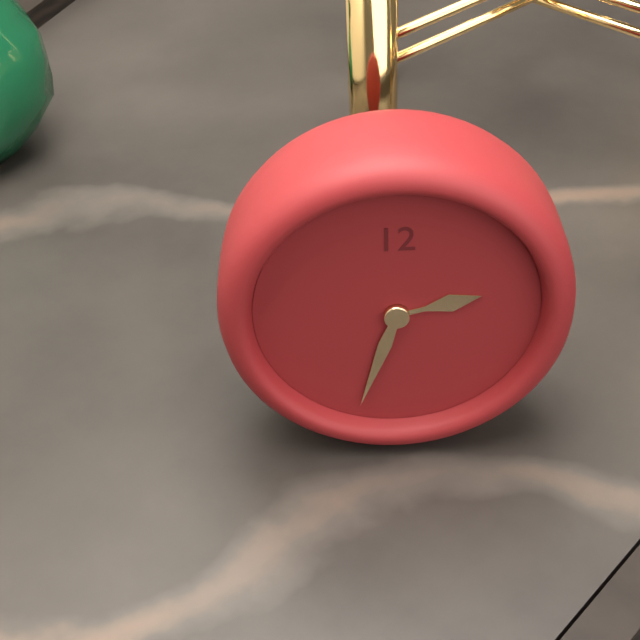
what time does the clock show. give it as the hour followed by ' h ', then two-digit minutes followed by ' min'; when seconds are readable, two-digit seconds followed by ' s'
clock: 2 h 33 min
